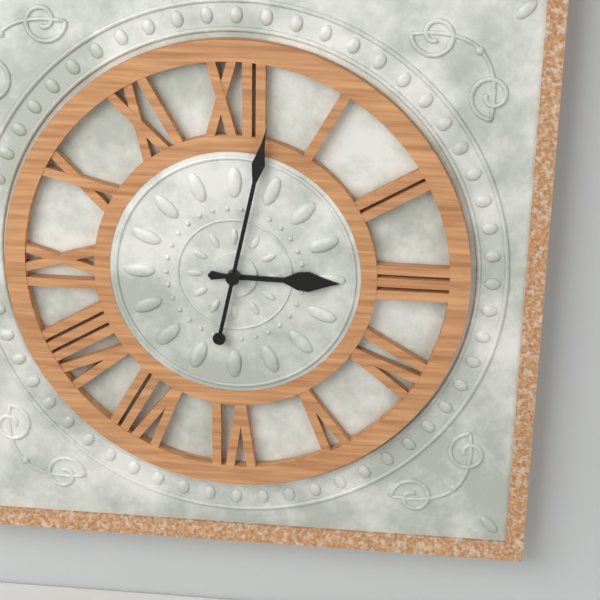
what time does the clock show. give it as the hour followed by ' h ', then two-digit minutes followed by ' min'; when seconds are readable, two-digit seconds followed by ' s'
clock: 3 h 02 min
